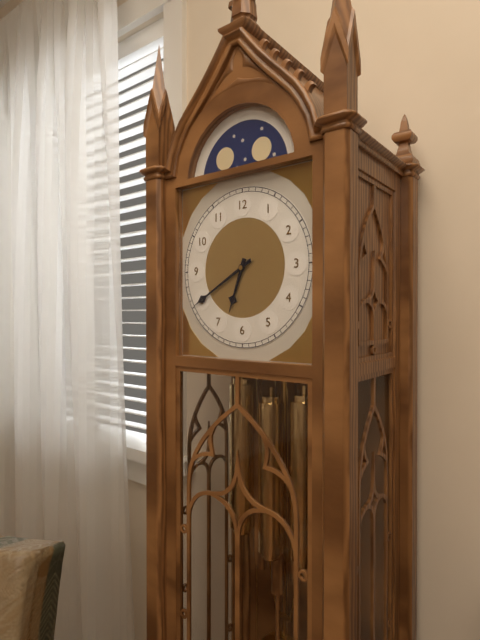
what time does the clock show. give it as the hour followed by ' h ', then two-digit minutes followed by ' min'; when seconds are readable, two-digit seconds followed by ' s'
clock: 6 h 40 min
